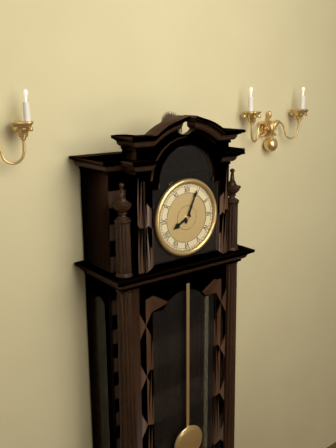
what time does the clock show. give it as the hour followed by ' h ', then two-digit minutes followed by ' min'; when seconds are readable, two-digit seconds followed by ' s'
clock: 8 h 04 min
